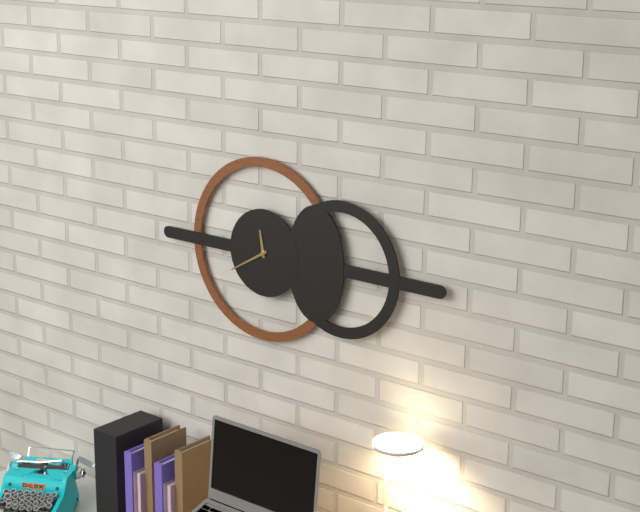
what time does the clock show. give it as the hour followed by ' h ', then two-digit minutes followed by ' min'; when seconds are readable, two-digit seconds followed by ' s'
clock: 11 h 40 min
